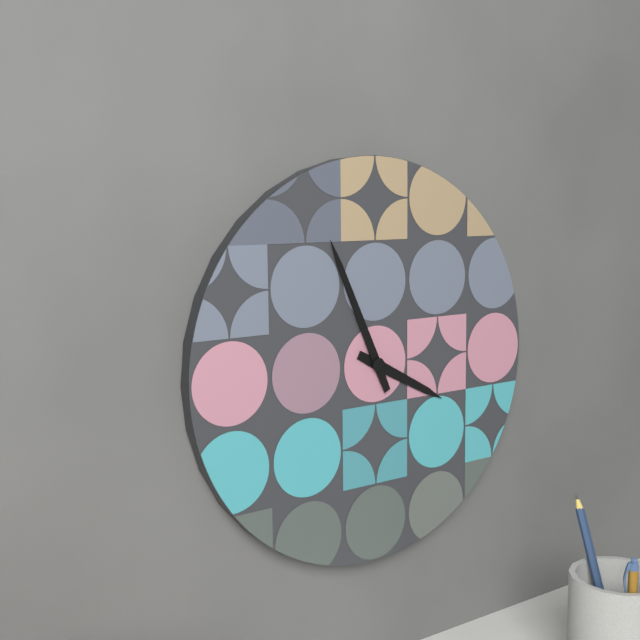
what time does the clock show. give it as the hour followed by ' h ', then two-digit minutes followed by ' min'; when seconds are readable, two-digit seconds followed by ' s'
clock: 3 h 56 min
